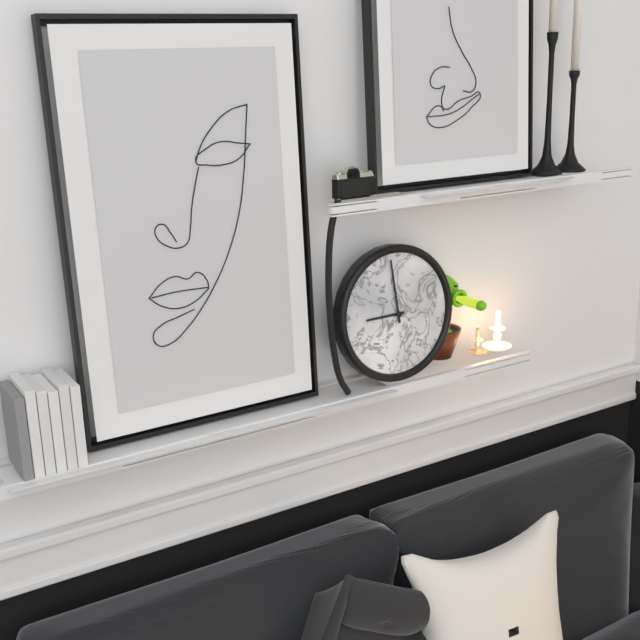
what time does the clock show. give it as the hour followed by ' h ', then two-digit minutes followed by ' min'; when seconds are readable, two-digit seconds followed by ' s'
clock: 8 h 59 min
